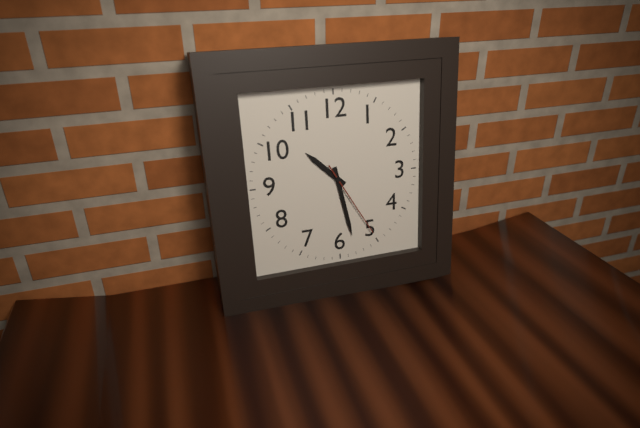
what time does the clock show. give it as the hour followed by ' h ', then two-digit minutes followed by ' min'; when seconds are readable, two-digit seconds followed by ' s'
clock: 10 h 28 min 25 s
